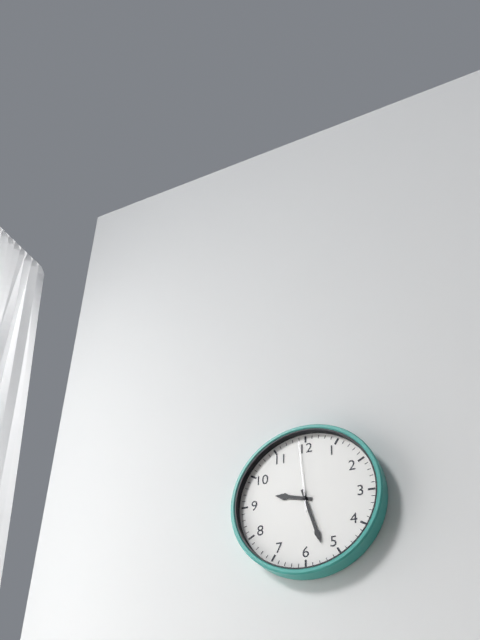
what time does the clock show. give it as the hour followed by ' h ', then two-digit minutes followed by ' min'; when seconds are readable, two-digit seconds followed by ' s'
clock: 9 h 27 min 59 s
